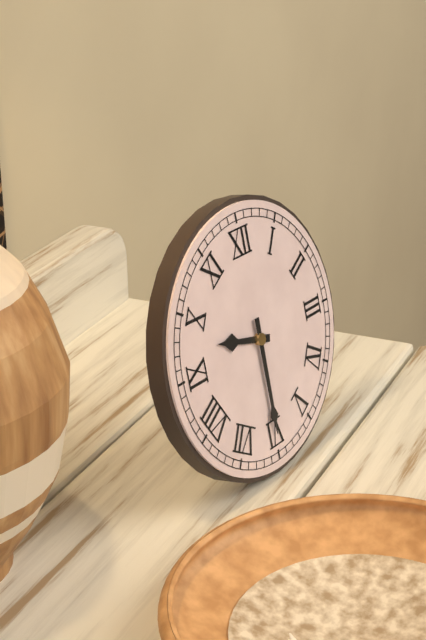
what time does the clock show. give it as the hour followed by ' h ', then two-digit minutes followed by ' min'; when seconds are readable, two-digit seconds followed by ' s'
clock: 9 h 30 min
